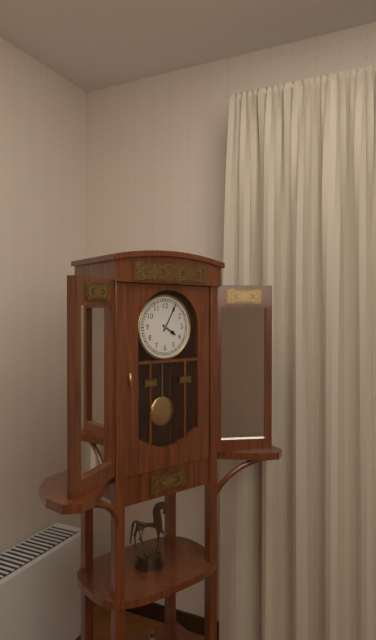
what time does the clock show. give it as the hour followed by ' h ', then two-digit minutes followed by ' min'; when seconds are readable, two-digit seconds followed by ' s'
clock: 4 h 05 min
